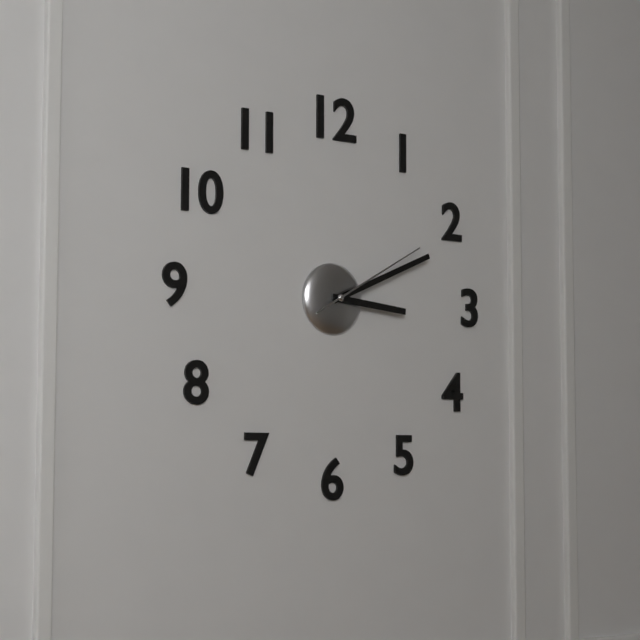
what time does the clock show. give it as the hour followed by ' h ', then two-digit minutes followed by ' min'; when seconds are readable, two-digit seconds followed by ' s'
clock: 3 h 11 min 10 s
